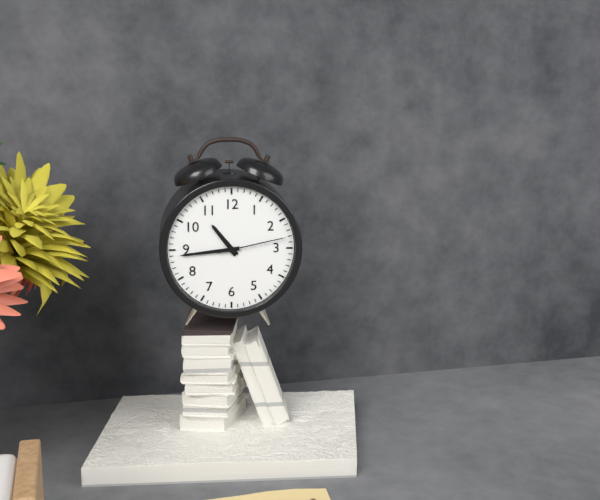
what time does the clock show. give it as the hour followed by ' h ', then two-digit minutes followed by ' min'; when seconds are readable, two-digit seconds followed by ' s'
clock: 10 h 44 min 13 s
